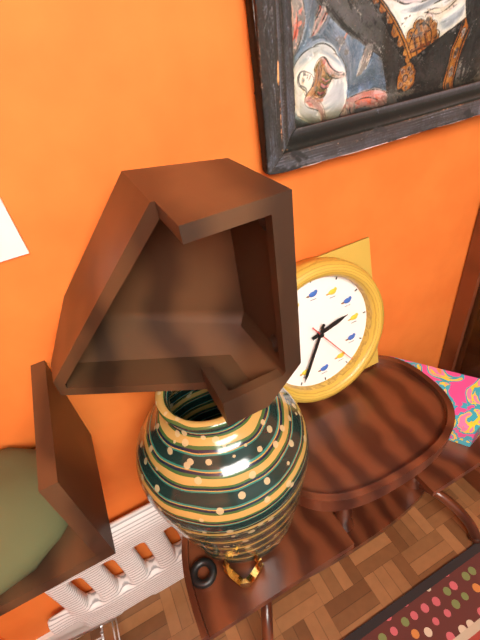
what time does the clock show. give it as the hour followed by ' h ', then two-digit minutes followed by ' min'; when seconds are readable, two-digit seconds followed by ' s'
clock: 2 h 35 min
